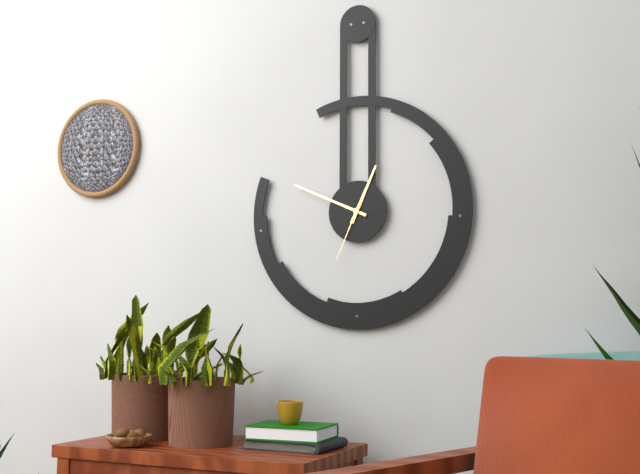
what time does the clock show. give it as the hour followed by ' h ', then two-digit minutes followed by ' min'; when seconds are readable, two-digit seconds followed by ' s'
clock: 12 h 49 min 34 s
